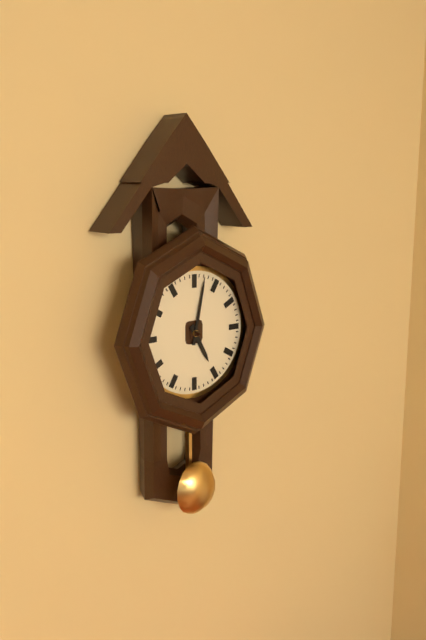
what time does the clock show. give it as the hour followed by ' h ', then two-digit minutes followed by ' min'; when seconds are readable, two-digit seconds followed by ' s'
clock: 5 h 02 min
